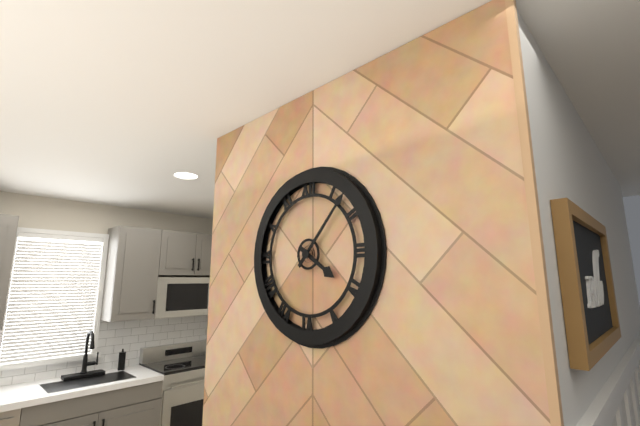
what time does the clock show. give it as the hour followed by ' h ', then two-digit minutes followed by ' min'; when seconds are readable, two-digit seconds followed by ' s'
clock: 4 h 07 min
